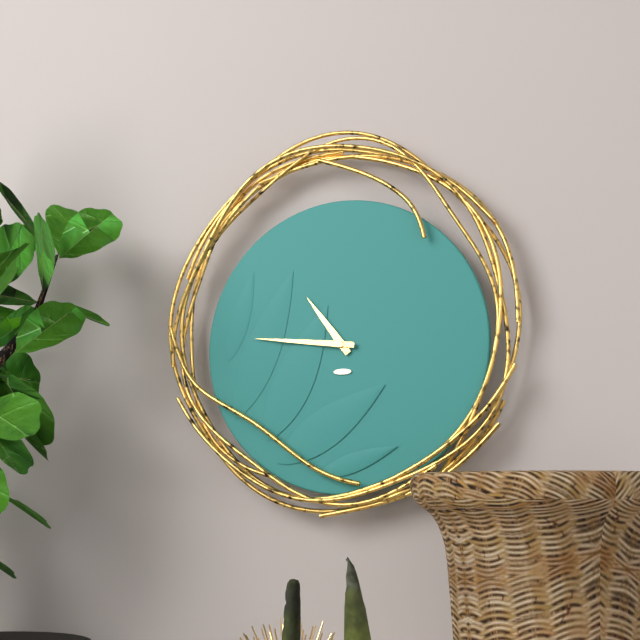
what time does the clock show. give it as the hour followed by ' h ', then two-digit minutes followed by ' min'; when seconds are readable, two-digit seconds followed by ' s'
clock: 10 h 46 min
